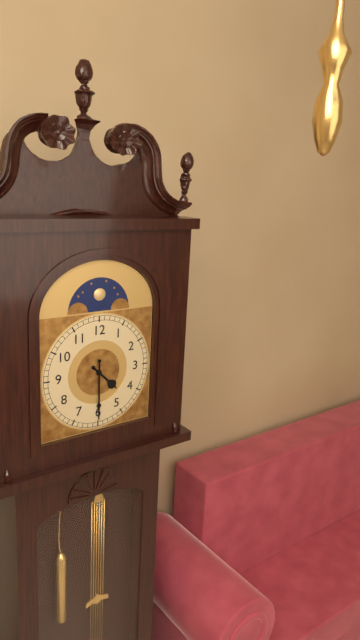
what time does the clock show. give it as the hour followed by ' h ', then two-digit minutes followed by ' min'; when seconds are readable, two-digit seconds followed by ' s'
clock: 4 h 30 min
